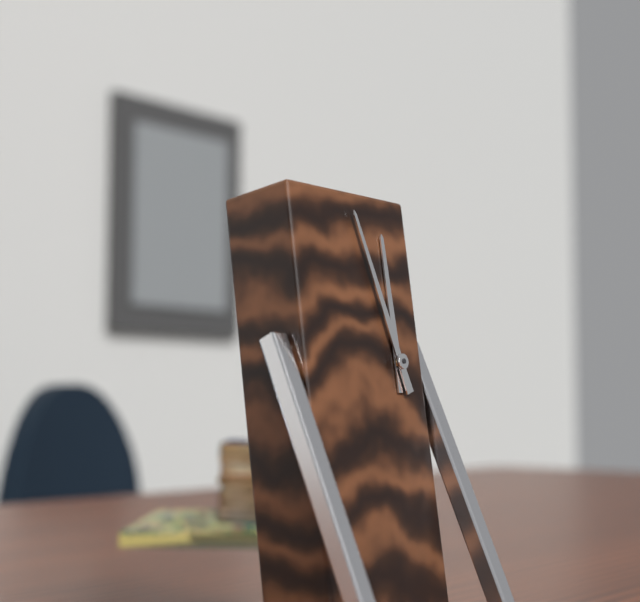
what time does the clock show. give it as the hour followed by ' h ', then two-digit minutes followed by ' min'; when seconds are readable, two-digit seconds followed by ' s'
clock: 11 h 57 min
